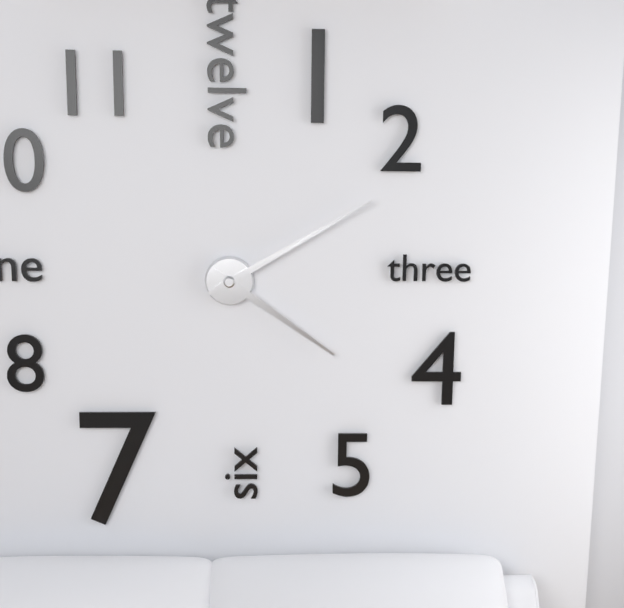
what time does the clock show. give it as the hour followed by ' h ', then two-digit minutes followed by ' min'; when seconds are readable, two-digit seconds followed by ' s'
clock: 4 h 10 min
